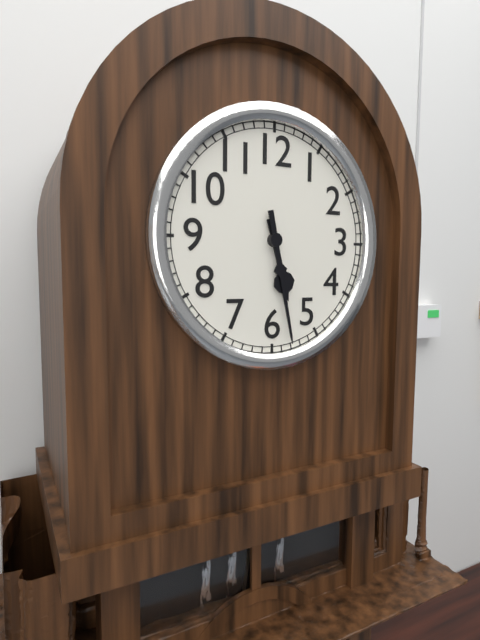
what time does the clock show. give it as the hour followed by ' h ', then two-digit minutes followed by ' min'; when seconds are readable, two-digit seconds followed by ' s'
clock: 5 h 28 min
